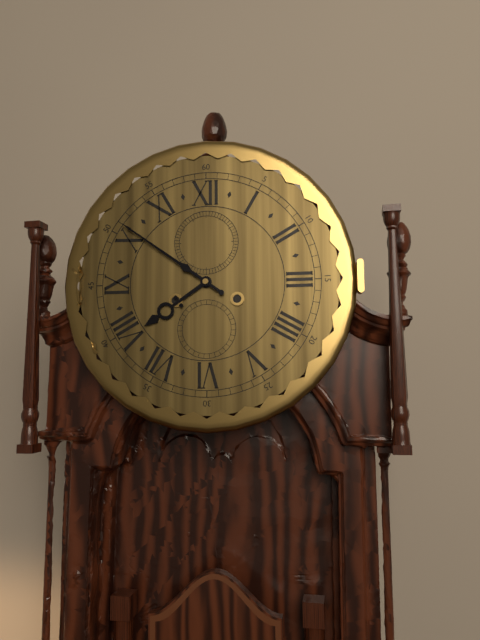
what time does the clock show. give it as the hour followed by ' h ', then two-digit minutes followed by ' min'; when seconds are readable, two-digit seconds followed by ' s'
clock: 7 h 51 min
